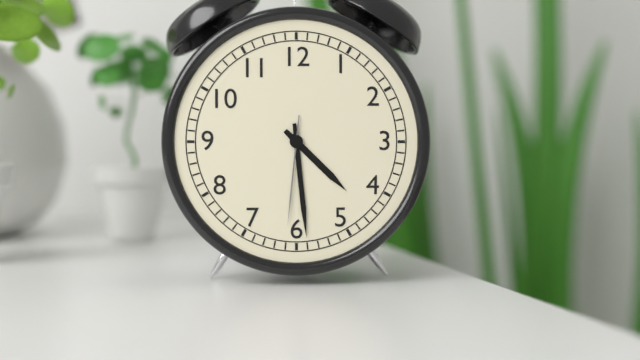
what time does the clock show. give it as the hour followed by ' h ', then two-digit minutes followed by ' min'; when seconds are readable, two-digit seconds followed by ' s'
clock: 4 h 29 min 31 s
